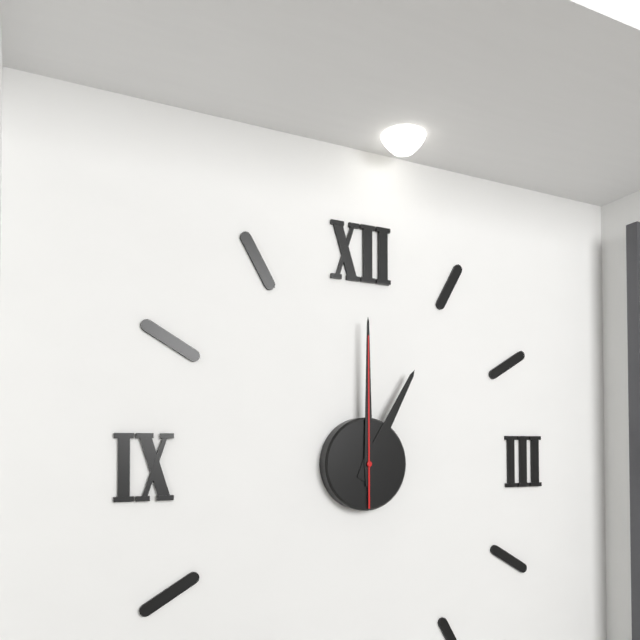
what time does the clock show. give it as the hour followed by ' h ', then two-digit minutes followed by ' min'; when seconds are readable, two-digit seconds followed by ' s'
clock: 1 h 00 min 00 s
